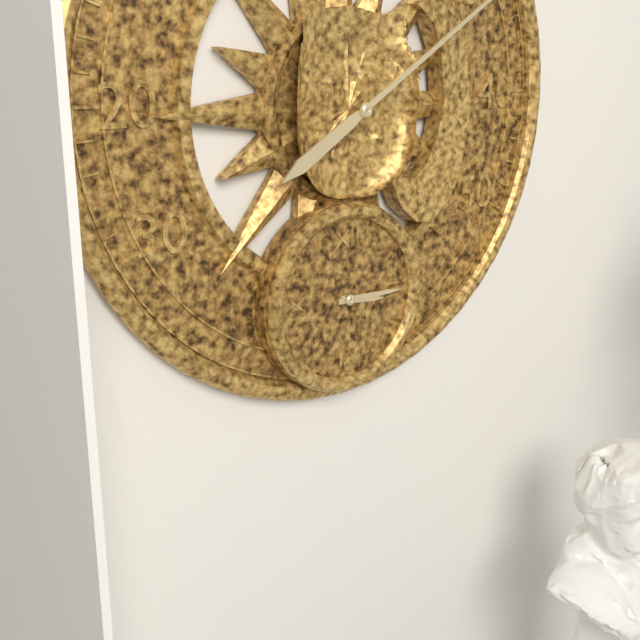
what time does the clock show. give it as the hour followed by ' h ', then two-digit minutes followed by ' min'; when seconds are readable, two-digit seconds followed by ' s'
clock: 3 h 15 min
